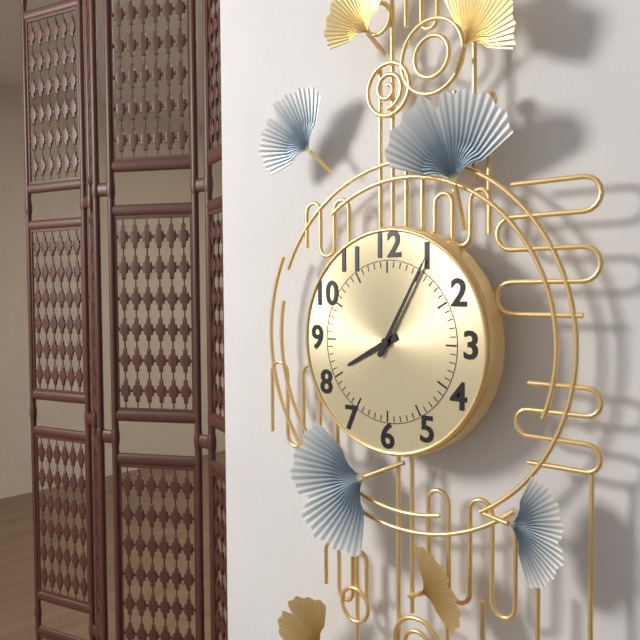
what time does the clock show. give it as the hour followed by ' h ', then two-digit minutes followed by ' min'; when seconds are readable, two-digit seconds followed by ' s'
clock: 8 h 05 min
